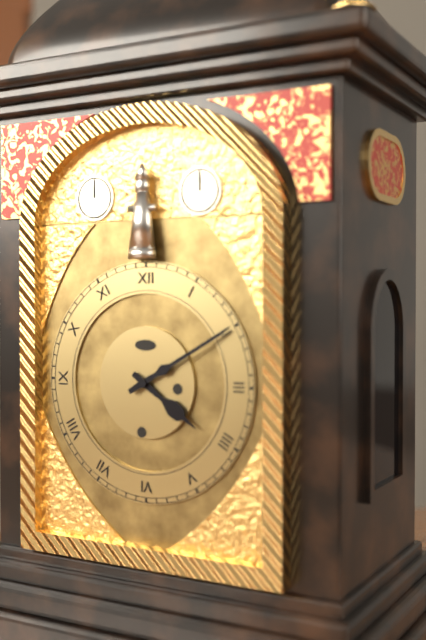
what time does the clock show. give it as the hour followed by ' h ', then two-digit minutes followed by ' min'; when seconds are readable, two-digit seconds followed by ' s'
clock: 4 h 10 min
